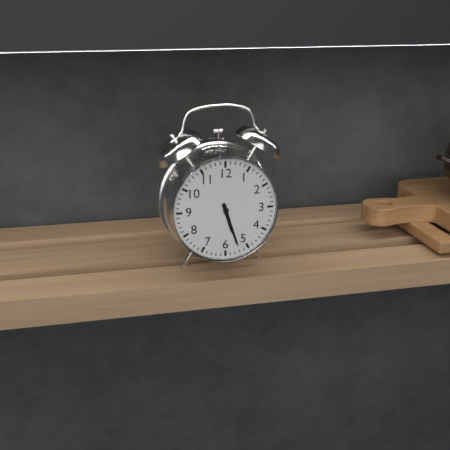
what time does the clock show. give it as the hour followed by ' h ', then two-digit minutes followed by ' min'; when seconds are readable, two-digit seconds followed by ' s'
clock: 5 h 27 min
